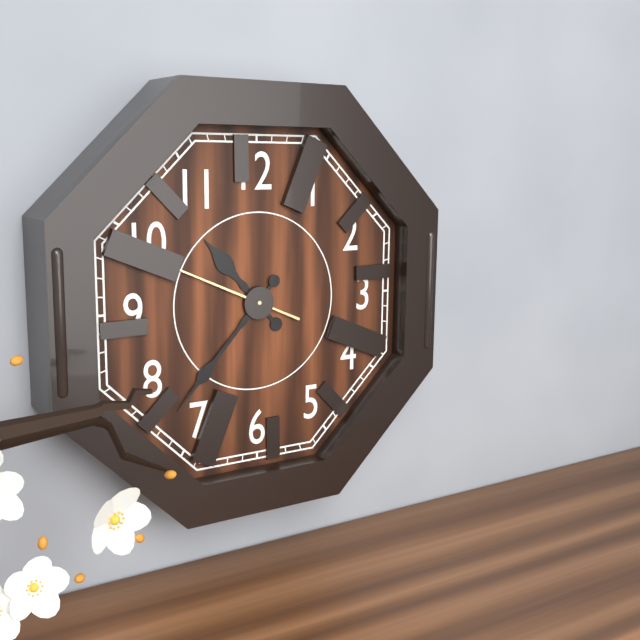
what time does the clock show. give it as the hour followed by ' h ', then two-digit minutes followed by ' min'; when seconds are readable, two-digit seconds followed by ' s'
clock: 10 h 37 min
